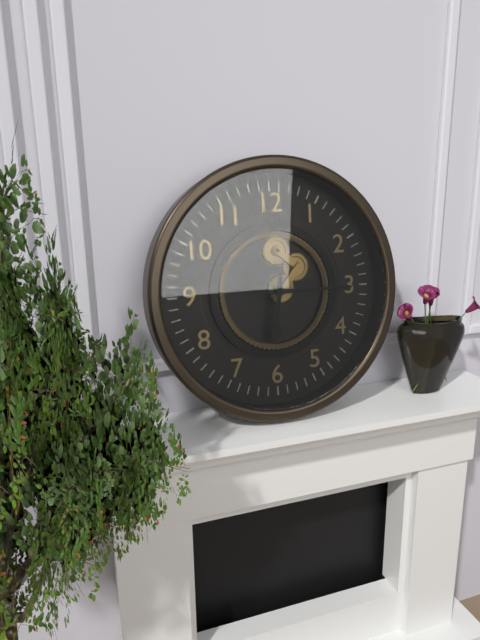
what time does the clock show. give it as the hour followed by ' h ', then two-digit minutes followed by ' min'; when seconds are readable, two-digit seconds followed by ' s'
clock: 6 h 15 min
